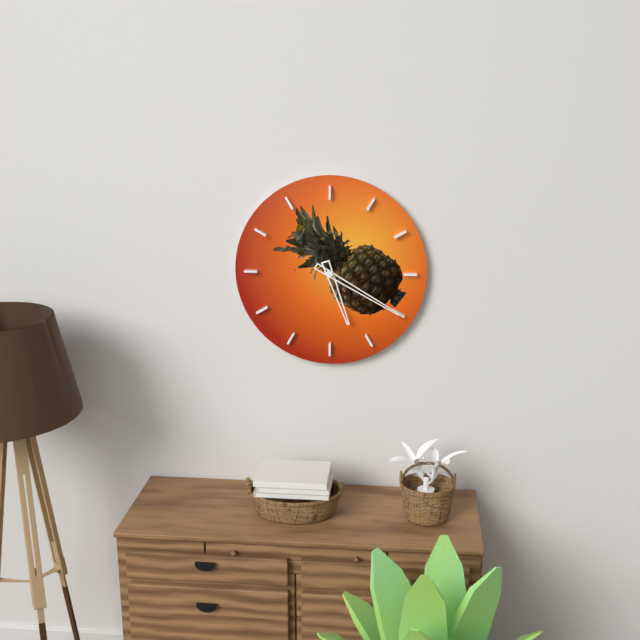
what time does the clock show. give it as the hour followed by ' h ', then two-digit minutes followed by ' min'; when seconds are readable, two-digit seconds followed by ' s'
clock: 5 h 20 min
